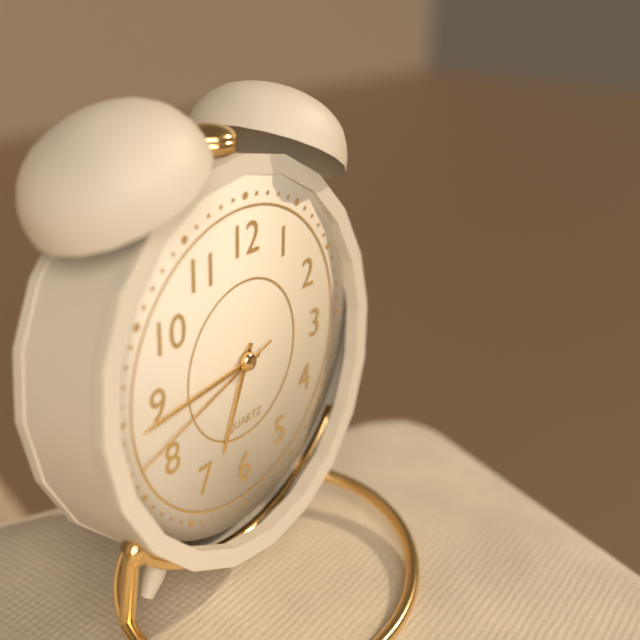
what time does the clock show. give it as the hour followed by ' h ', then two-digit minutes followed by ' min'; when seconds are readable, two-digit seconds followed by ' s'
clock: 6 h 44 min 42 s
